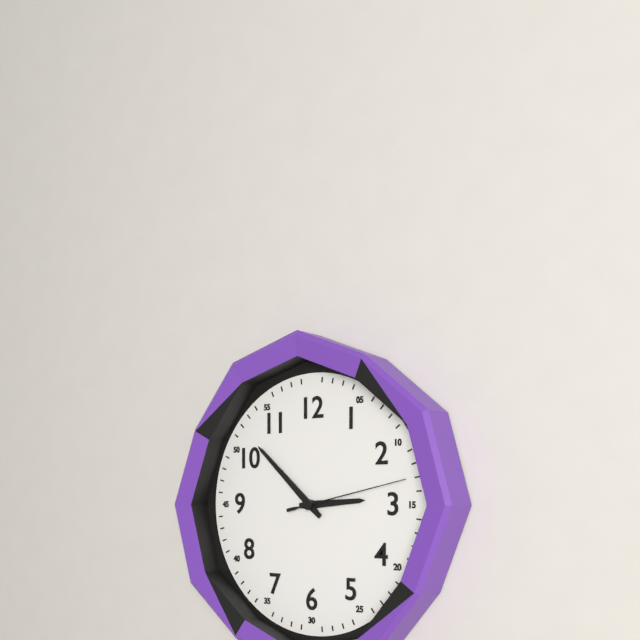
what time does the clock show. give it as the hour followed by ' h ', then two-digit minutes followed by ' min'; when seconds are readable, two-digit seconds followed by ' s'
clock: 2 h 52 min 13 s
